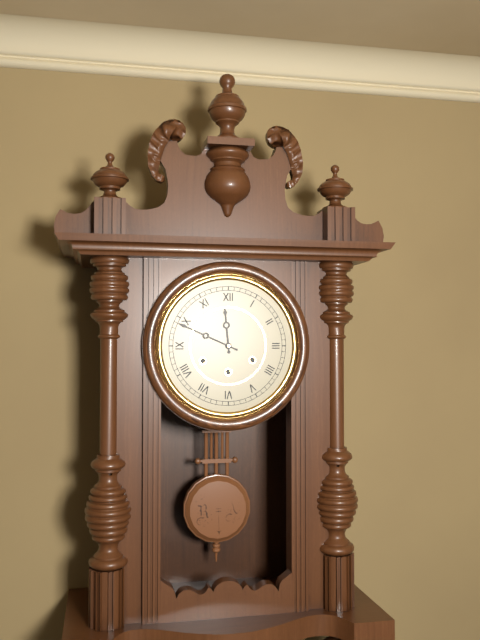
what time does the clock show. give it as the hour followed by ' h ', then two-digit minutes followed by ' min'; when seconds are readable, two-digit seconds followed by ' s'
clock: 11 h 49 min
